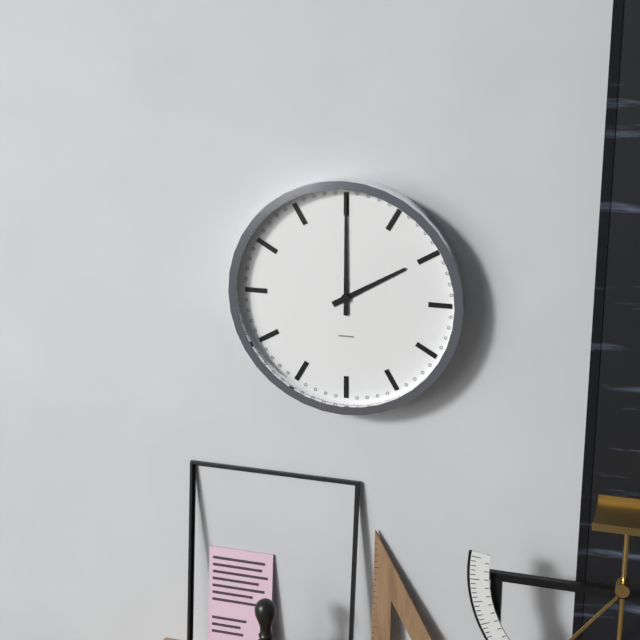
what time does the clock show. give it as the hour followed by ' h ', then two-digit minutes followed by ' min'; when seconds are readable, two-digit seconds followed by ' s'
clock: 2 h 00 min
